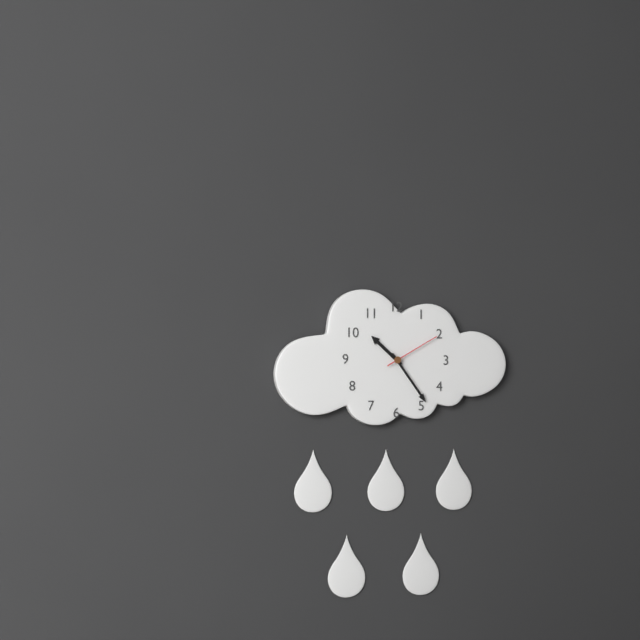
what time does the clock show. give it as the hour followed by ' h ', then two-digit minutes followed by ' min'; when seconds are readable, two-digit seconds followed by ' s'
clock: 10 h 24 min 10 s
